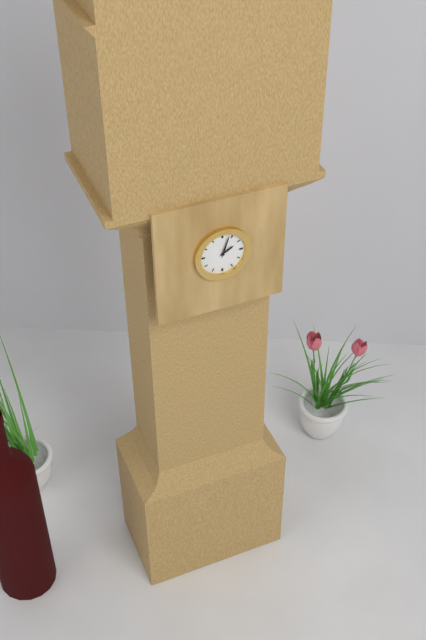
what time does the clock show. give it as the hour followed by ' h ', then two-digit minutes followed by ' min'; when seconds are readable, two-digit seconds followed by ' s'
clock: 2 h 03 min
